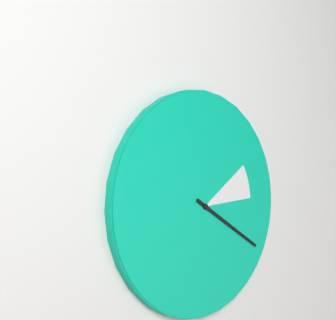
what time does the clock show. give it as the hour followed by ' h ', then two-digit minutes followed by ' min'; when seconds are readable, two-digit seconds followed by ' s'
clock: 2 h 20 min
